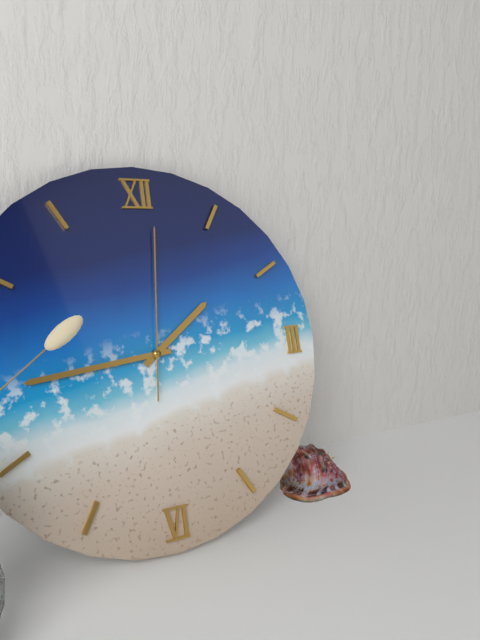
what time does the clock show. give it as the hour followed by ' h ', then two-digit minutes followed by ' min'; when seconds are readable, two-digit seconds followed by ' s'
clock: 1 h 44 min 01 s
